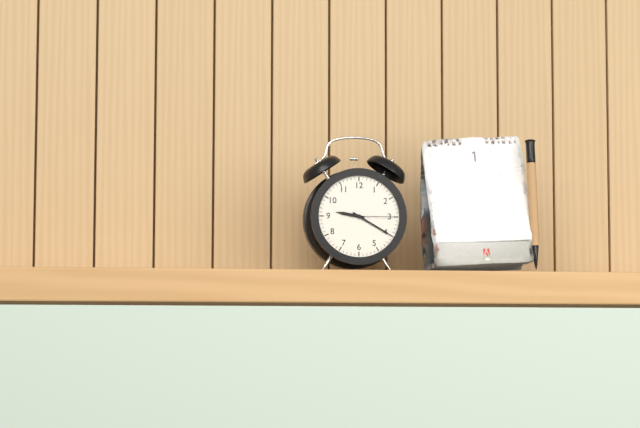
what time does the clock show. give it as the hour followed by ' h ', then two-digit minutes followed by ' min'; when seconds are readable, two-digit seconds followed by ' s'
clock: 9 h 20 min
